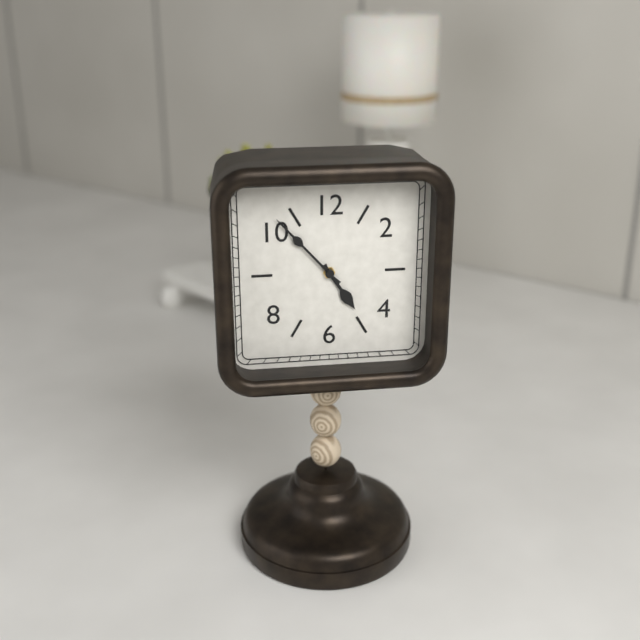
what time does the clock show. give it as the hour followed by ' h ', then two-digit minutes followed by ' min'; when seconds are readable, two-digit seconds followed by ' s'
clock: 4 h 53 min
